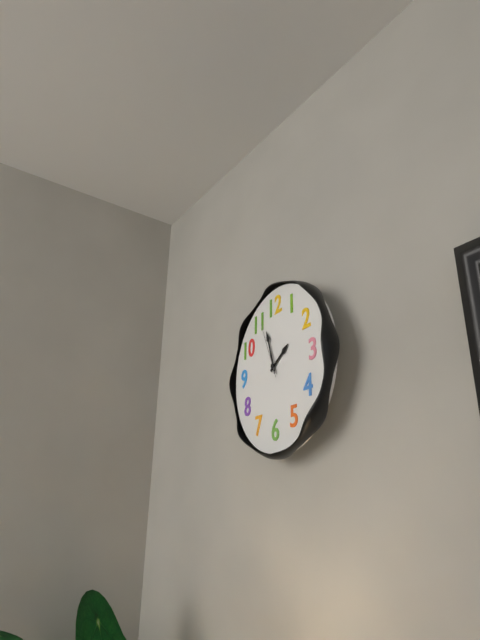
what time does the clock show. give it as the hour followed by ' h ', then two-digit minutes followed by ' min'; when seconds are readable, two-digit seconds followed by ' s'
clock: 1 h 57 min 56 s
